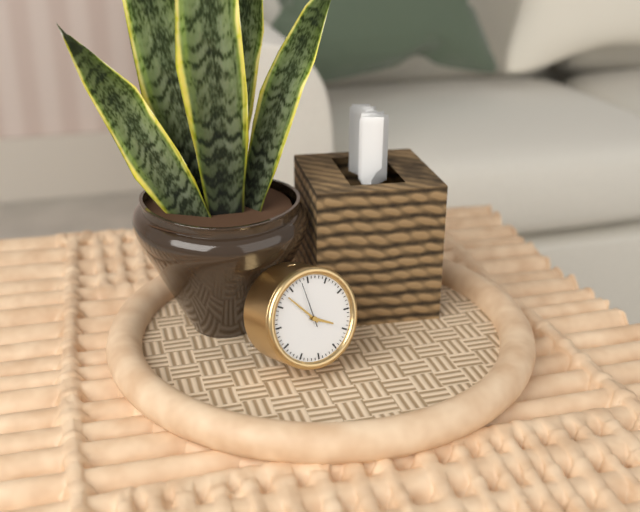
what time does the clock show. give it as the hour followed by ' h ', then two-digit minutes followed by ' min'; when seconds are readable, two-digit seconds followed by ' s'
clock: 3 h 53 min
